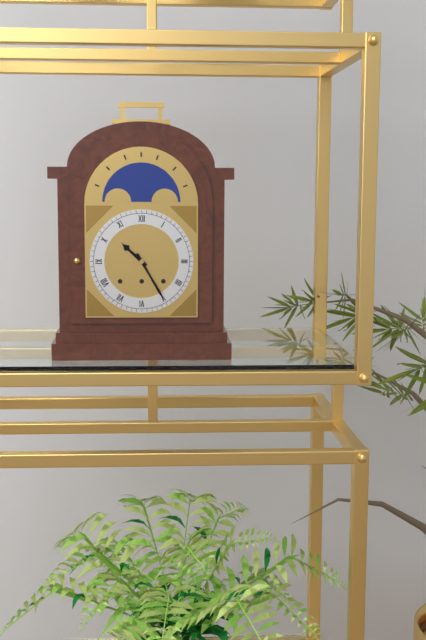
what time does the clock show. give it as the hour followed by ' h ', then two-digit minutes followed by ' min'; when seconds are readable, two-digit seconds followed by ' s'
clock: 10 h 25 min
